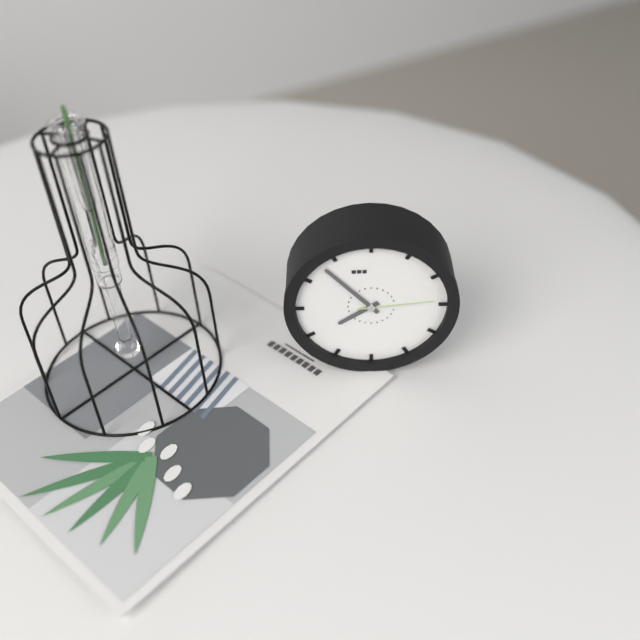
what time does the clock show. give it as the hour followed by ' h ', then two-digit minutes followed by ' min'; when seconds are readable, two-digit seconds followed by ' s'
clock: 7 h 53 min 14 s
